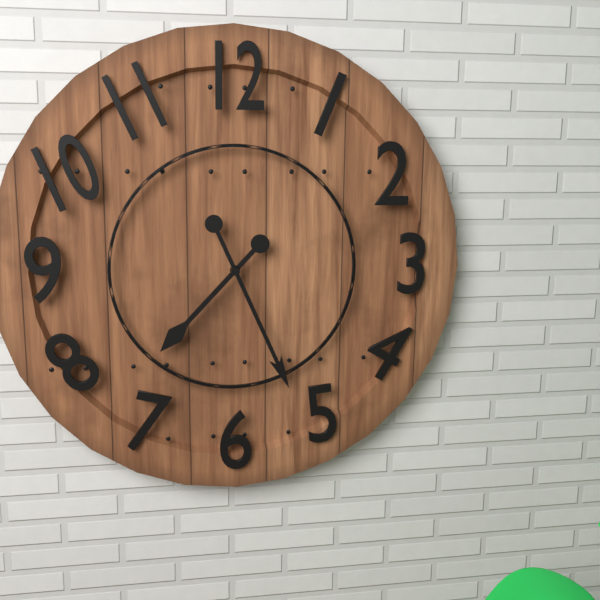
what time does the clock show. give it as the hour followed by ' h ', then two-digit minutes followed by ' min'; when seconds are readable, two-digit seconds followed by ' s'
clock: 7 h 26 min
